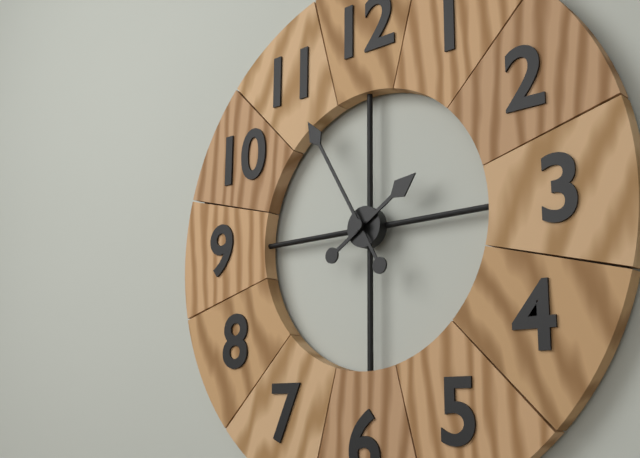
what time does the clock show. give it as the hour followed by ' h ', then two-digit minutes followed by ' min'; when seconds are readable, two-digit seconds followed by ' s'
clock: 1 h 55 min
